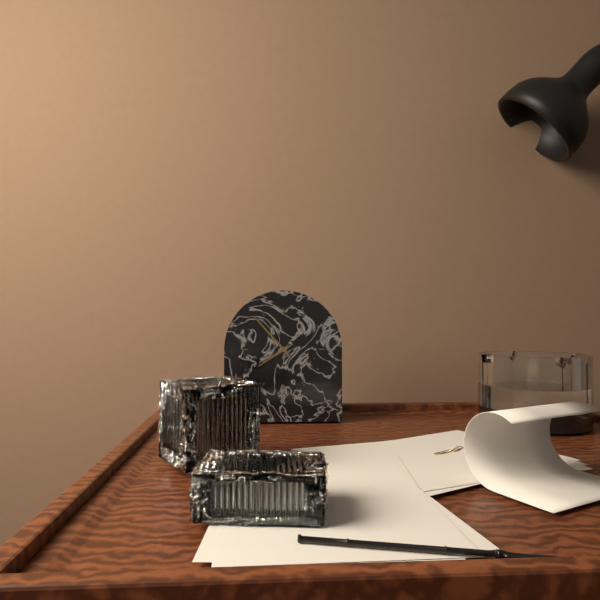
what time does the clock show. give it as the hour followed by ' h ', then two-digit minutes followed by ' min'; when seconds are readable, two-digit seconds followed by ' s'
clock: 7 h 53 min
